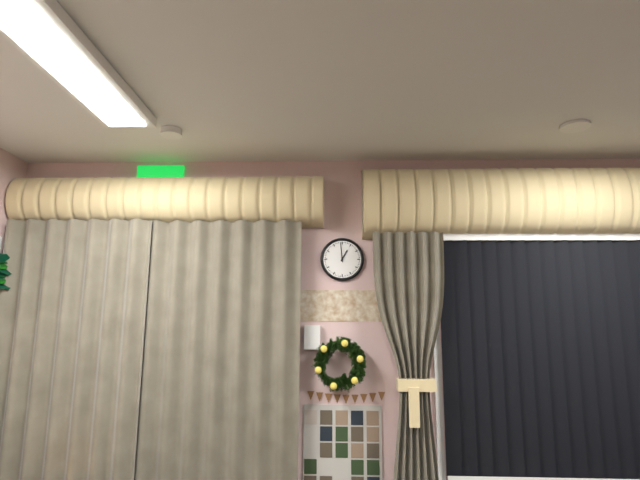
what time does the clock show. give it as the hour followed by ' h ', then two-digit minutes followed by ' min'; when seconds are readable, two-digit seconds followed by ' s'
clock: 12 h 59 min
